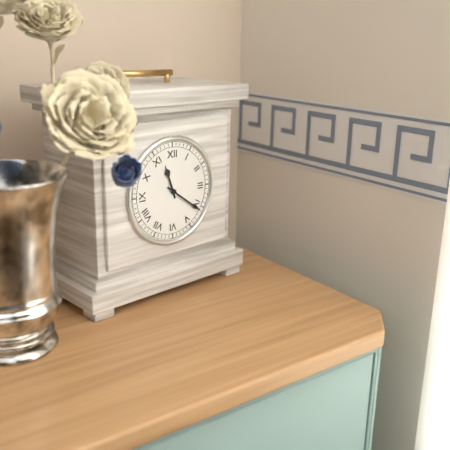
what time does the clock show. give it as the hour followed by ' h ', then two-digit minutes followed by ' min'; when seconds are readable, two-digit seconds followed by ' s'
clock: 11 h 21 min
